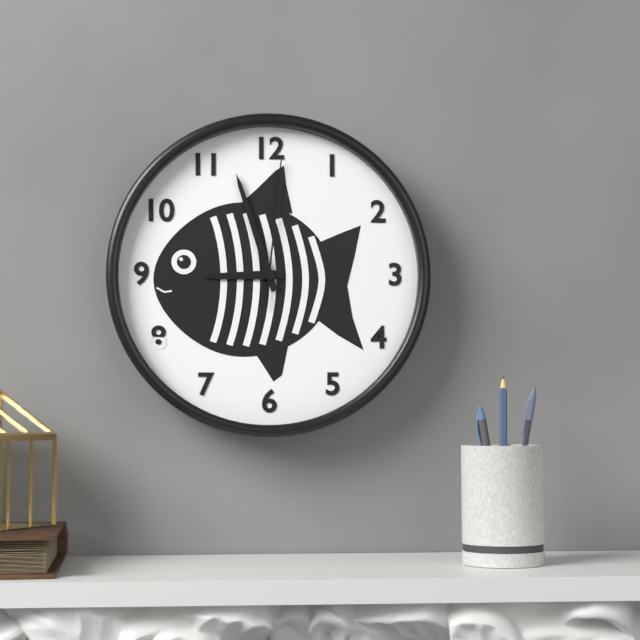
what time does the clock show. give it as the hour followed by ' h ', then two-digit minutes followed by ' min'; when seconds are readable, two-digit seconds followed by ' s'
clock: 8 h 57 min 01 s
